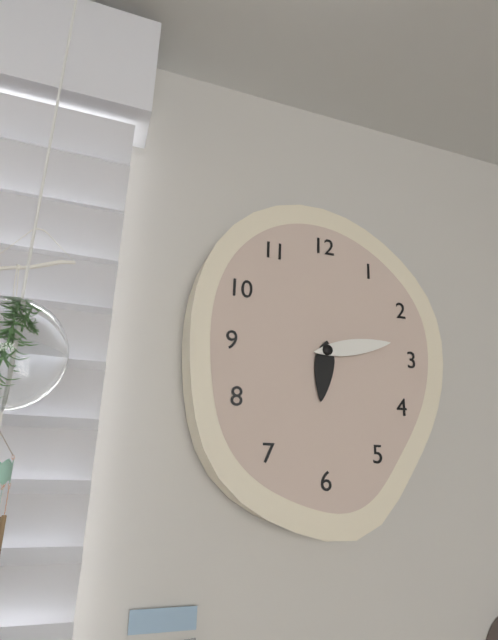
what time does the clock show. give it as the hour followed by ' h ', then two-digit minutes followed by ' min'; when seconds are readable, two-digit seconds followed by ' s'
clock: 6 h 13 min
